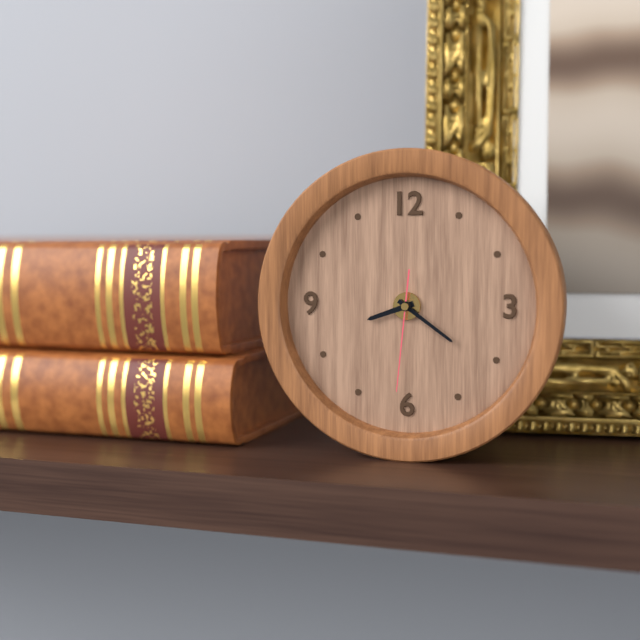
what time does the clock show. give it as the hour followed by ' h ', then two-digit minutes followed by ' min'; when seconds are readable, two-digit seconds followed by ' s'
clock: 8 h 21 min 31 s
